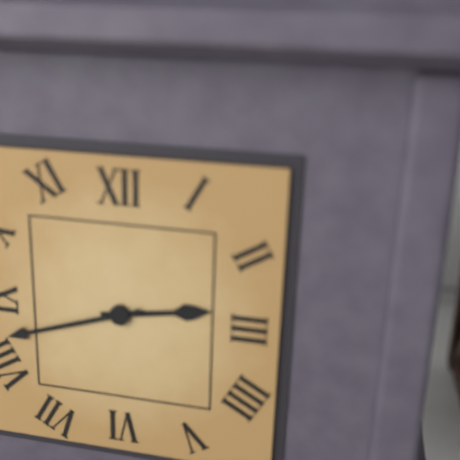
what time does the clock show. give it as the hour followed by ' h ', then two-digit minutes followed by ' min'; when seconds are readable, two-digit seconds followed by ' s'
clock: 2 h 42 min
